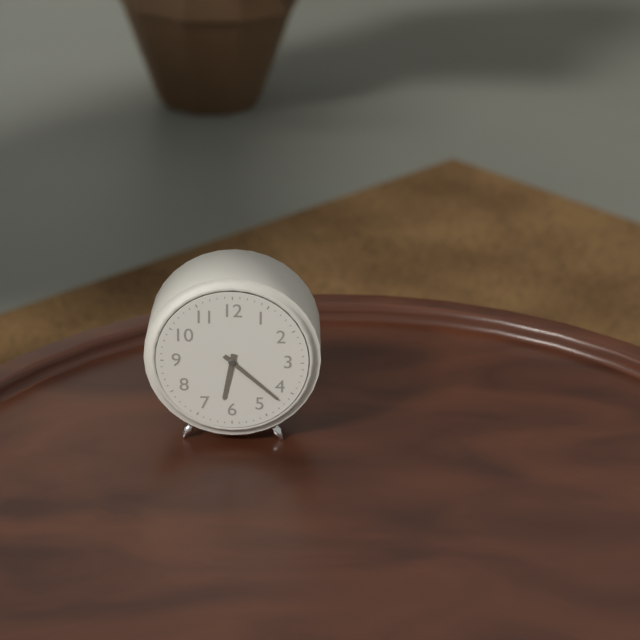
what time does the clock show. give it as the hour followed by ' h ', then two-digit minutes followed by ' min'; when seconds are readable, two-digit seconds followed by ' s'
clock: 6 h 22 min
